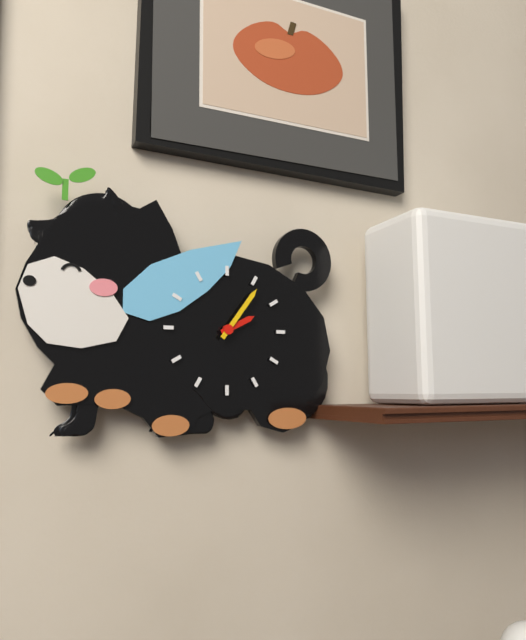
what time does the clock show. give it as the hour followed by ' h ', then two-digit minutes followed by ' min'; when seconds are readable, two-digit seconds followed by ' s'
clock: 2 h 06 min
